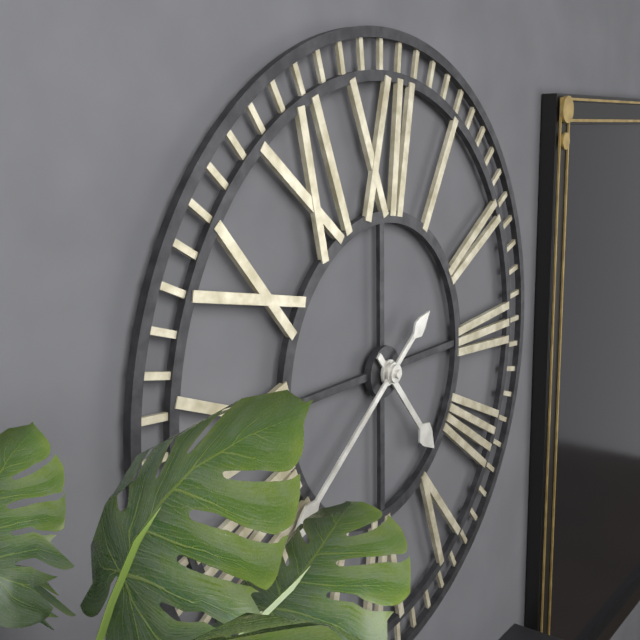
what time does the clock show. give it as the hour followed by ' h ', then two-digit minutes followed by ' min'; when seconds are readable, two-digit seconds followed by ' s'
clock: 4 h 39 min
